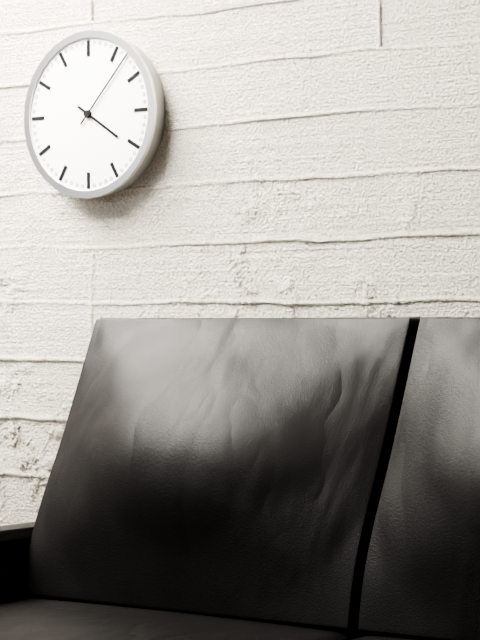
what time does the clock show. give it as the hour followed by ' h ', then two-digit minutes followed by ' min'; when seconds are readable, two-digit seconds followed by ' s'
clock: 4 h 07 min
